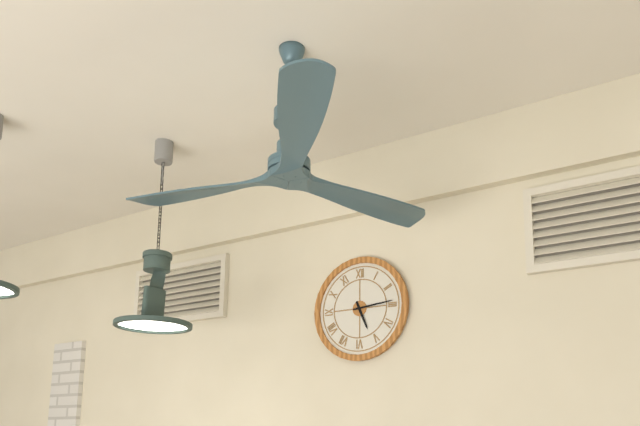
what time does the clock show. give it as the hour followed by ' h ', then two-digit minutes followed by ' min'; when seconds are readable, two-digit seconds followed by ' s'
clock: 5 h 14 min
